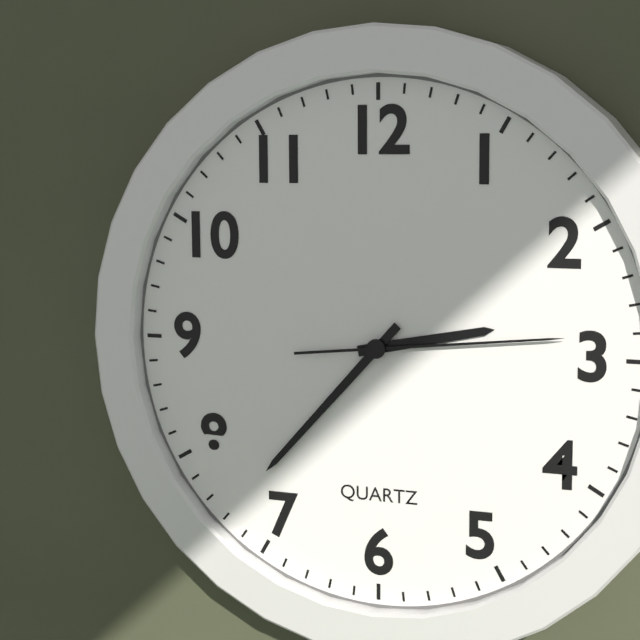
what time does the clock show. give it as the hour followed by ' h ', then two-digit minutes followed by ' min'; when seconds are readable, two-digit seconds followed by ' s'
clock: 2 h 37 min 14 s
